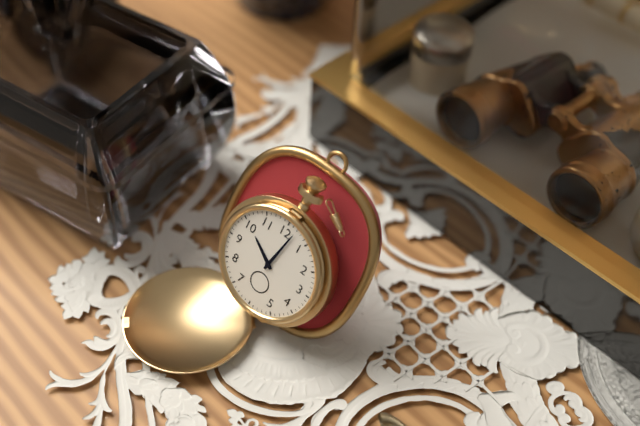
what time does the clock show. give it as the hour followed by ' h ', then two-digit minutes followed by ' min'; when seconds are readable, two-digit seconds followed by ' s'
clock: 10 h 02 min
